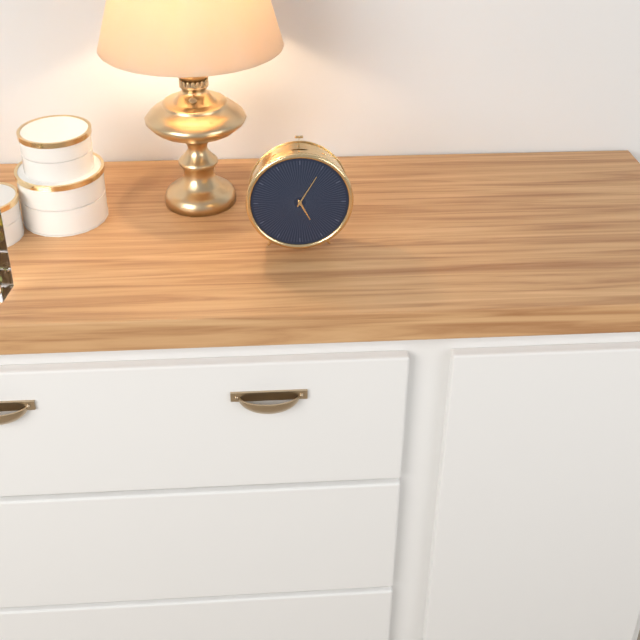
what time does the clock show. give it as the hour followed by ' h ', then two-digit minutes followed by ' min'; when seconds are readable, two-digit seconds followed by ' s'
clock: 5 h 05 min
